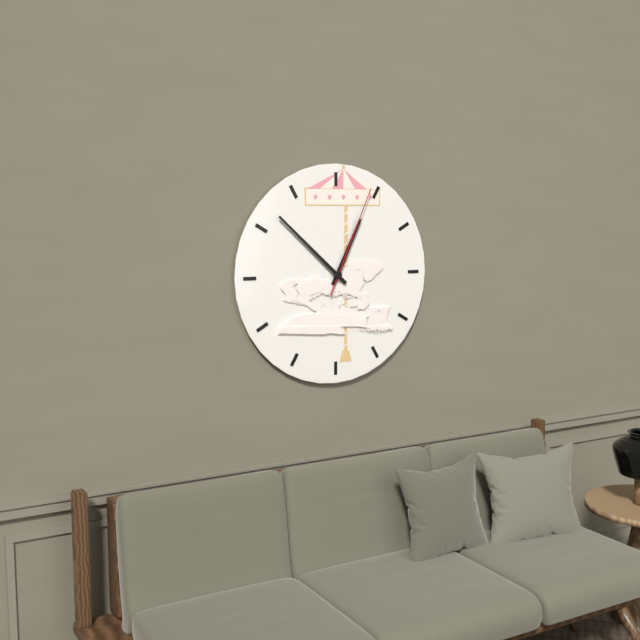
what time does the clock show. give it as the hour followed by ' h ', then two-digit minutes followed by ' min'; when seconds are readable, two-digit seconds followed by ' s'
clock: 12 h 52 min 04 s
